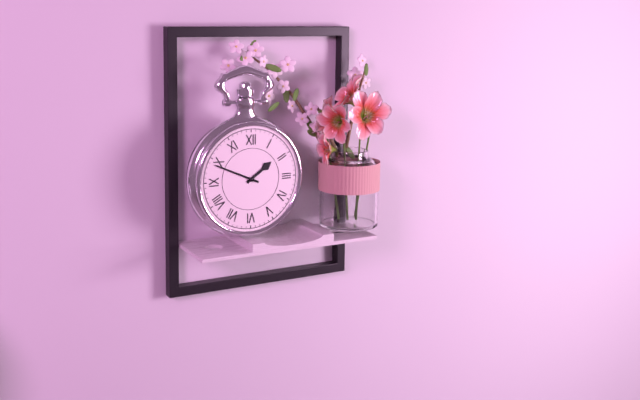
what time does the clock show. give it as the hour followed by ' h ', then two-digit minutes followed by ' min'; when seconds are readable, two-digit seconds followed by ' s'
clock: 1 h 49 min
